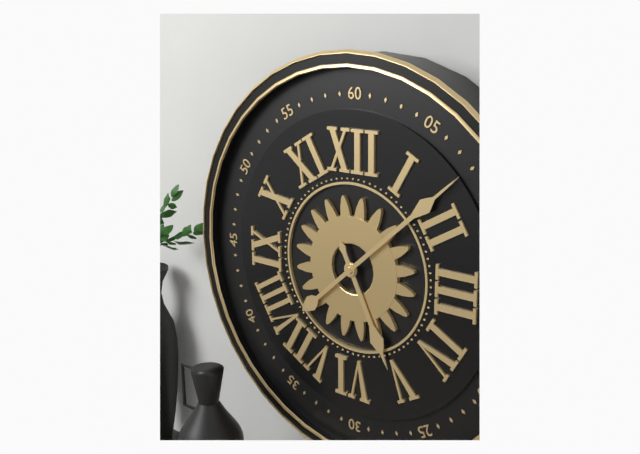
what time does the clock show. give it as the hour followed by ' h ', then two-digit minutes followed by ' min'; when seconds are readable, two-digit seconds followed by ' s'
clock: 5 h 08 min
